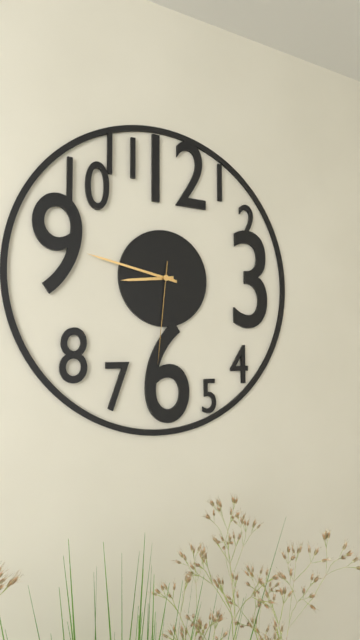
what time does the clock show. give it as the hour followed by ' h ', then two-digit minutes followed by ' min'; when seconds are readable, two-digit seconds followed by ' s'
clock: 8 h 47 min 31 s
